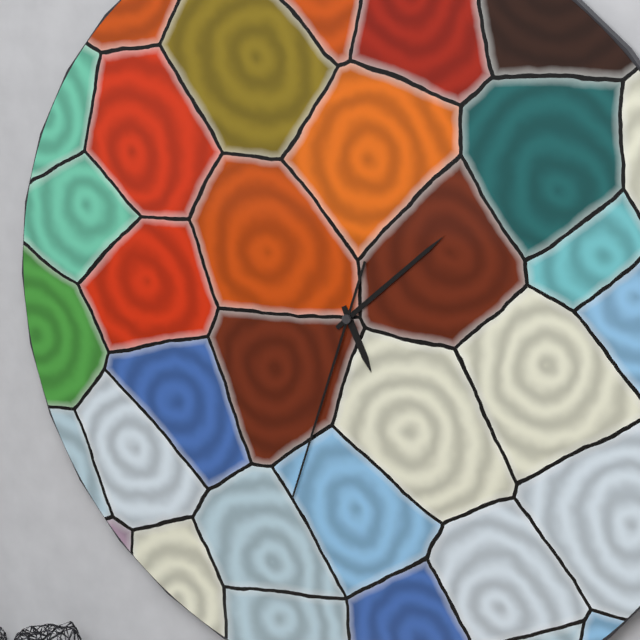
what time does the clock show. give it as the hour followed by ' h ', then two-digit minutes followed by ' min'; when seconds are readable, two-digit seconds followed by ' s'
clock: 5 h 08 min 33 s
